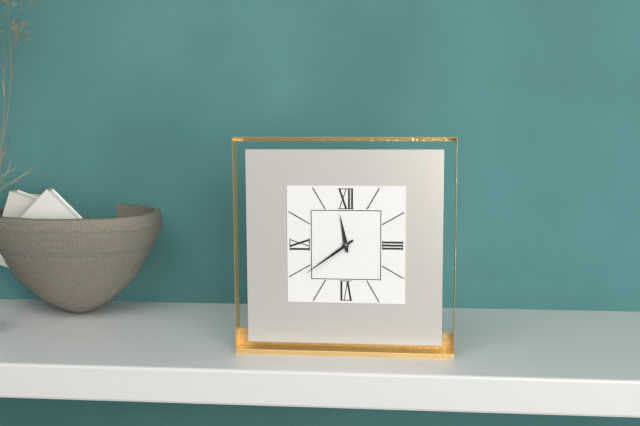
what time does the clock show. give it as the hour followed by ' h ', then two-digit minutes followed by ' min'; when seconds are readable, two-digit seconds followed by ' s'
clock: 11 h 39 min
